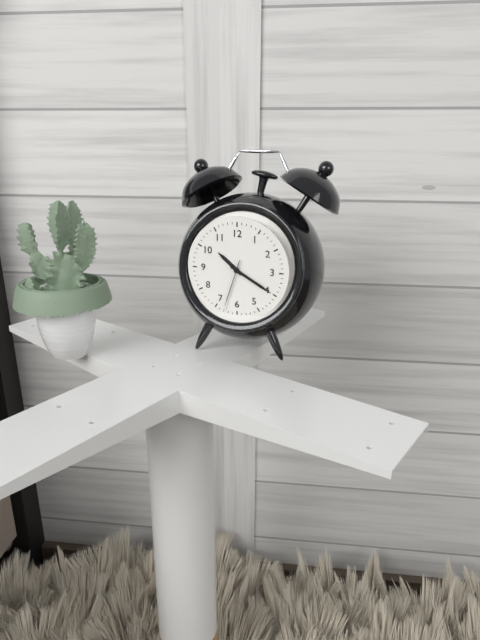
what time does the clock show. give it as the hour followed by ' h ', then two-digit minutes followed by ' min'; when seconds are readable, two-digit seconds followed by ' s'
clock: 10 h 20 min 33 s
